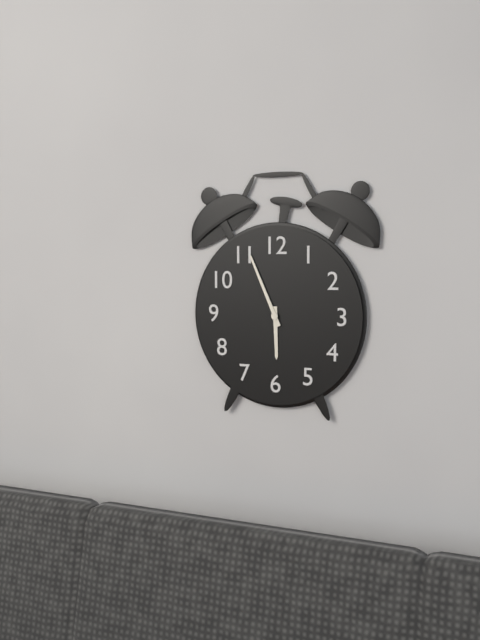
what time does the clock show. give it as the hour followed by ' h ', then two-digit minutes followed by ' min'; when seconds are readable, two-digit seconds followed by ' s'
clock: 5 h 56 min
